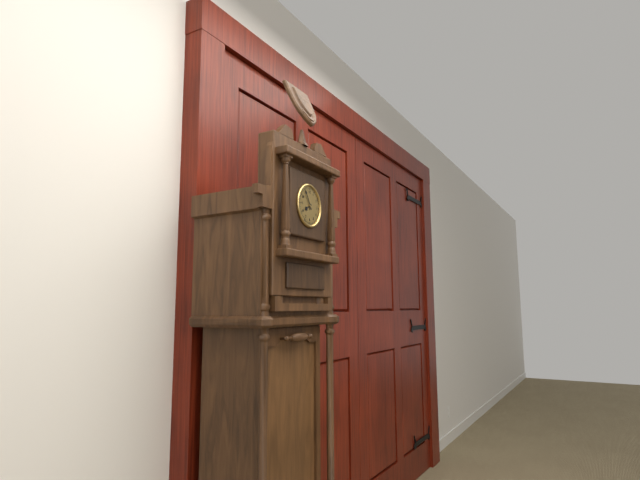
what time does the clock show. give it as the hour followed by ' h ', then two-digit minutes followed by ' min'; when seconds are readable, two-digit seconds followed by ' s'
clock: 7 h 55 min
